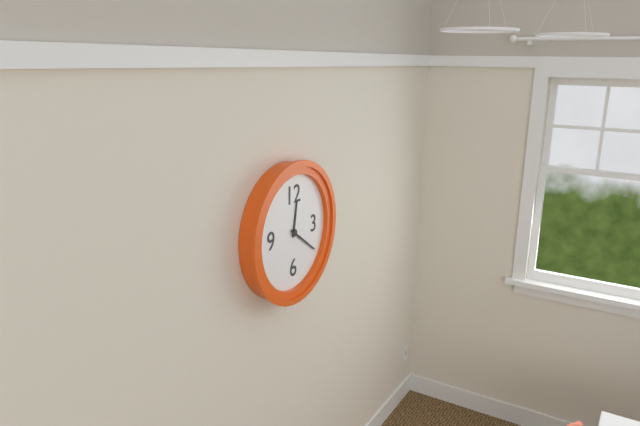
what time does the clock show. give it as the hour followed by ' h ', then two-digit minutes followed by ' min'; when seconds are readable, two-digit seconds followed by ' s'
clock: 12 h 21 min
